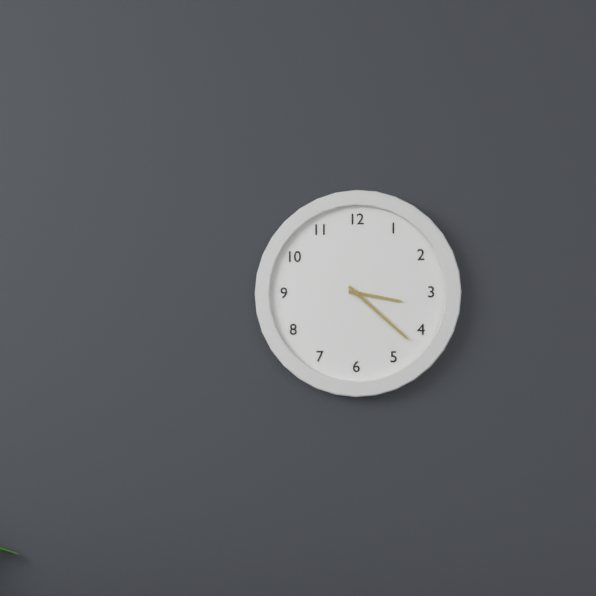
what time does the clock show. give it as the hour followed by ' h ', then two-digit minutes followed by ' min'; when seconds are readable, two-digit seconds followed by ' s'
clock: 3 h 22 min
